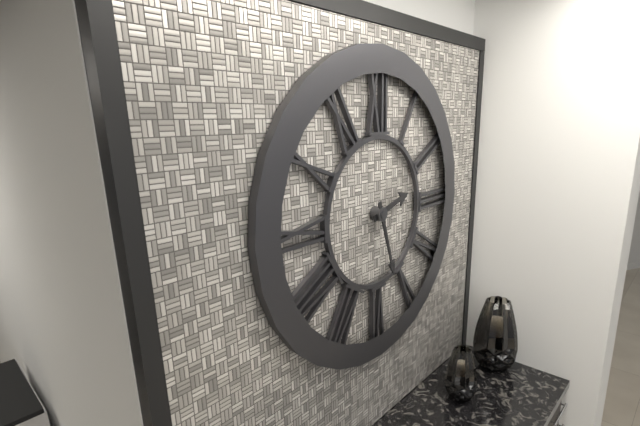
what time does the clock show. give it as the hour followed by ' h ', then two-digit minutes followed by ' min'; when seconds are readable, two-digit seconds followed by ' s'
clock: 2 h 27 min
